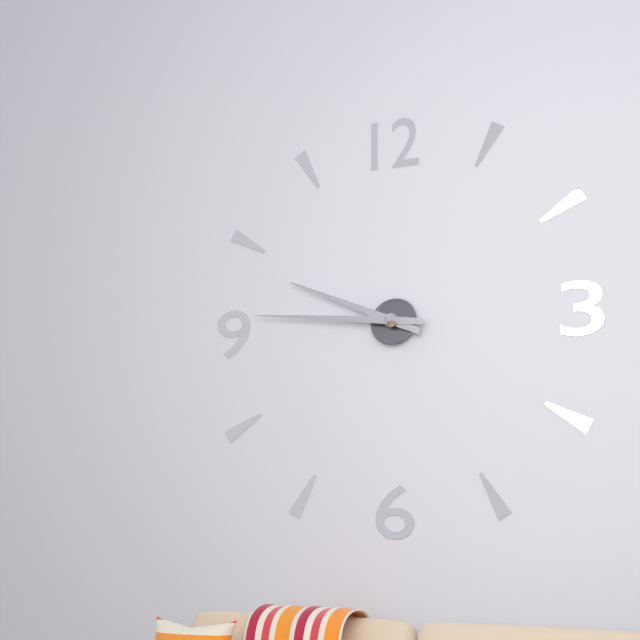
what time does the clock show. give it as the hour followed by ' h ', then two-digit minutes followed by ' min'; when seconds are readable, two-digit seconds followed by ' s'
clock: 9 h 46 min
